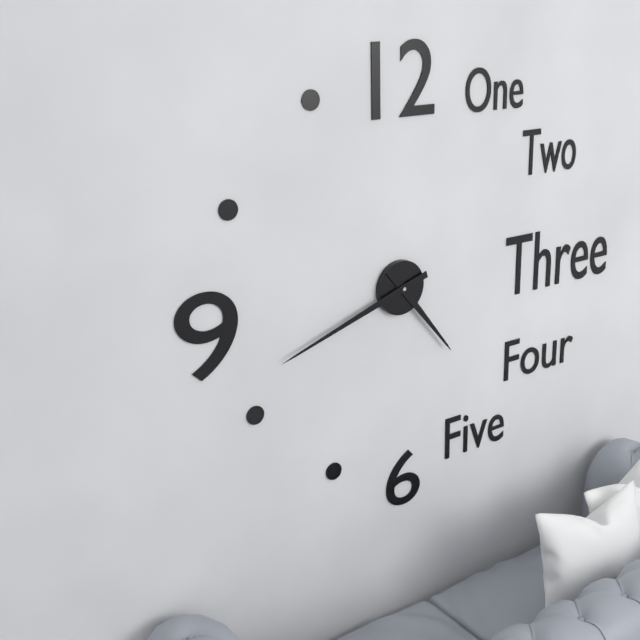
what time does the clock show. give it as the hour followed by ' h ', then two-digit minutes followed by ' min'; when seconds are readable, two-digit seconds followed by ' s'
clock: 4 h 42 min
